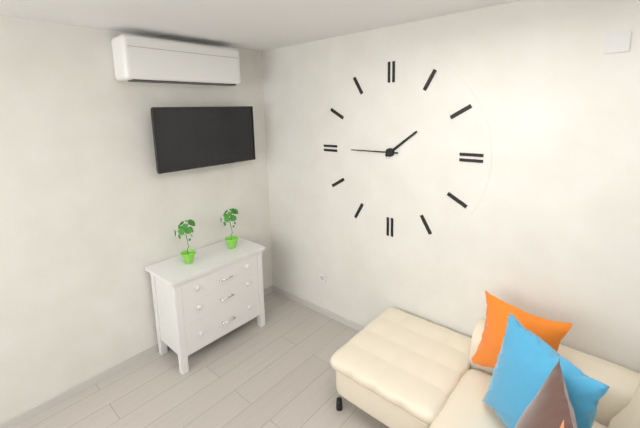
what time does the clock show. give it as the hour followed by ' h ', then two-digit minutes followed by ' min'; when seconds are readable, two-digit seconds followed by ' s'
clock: 1 h 45 min
